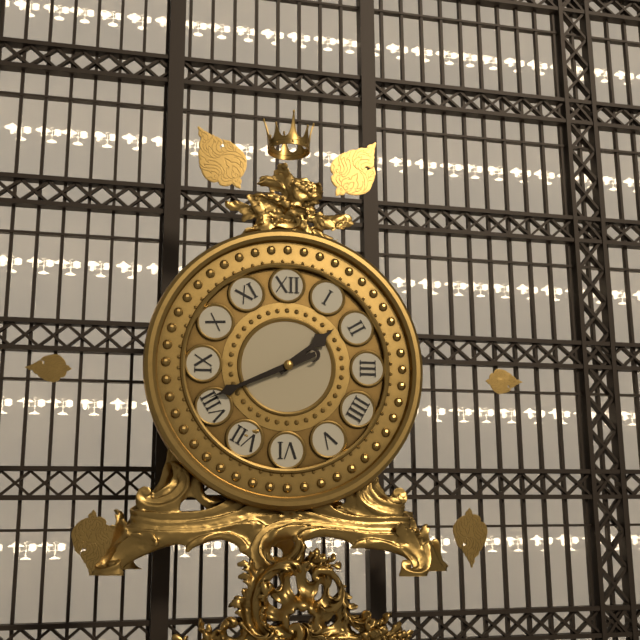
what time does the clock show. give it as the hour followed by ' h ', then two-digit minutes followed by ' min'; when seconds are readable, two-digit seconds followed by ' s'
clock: 1 h 41 min
